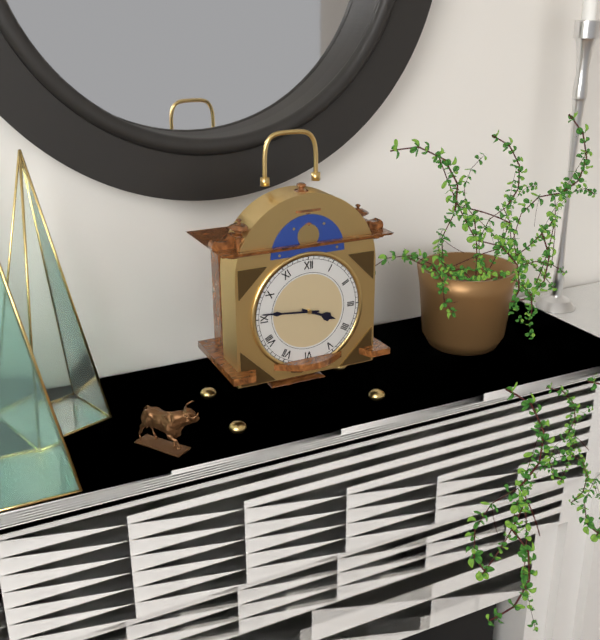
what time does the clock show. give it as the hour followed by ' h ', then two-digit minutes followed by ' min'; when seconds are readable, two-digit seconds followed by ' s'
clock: 3 h 46 min
